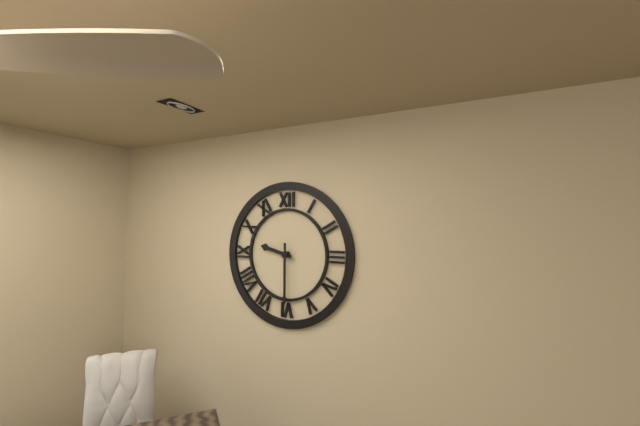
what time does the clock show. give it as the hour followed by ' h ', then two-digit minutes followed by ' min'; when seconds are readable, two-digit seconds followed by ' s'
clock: 9 h 30 min
